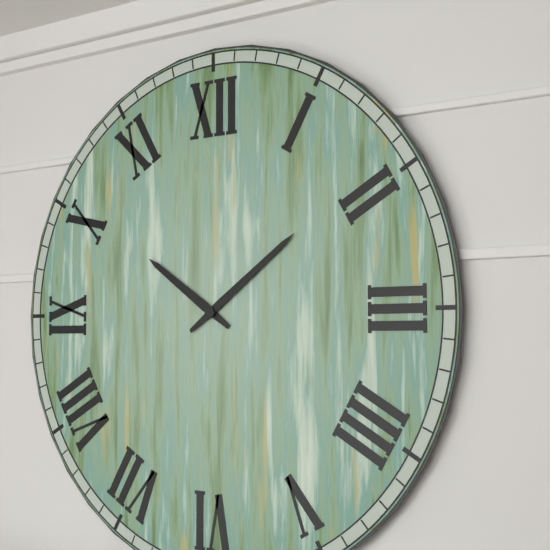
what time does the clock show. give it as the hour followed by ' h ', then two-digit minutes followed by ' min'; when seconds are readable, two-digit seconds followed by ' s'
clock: 10 h 09 min
